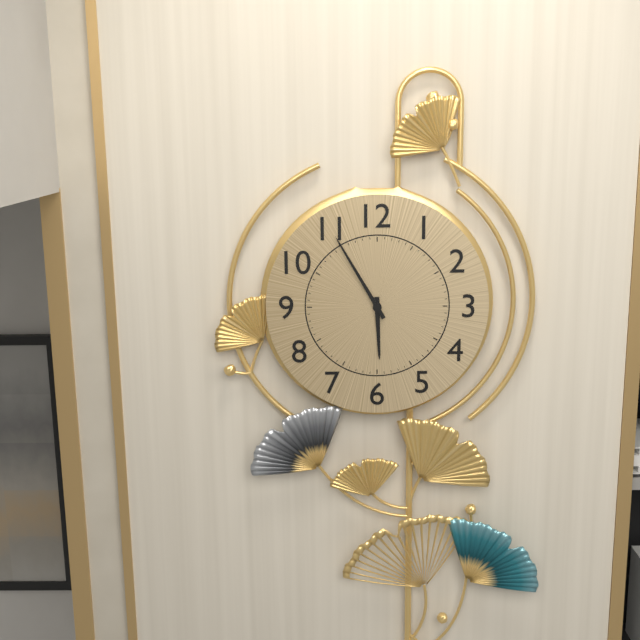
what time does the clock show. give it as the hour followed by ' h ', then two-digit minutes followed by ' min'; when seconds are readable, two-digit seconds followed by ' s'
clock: 5 h 55 min
